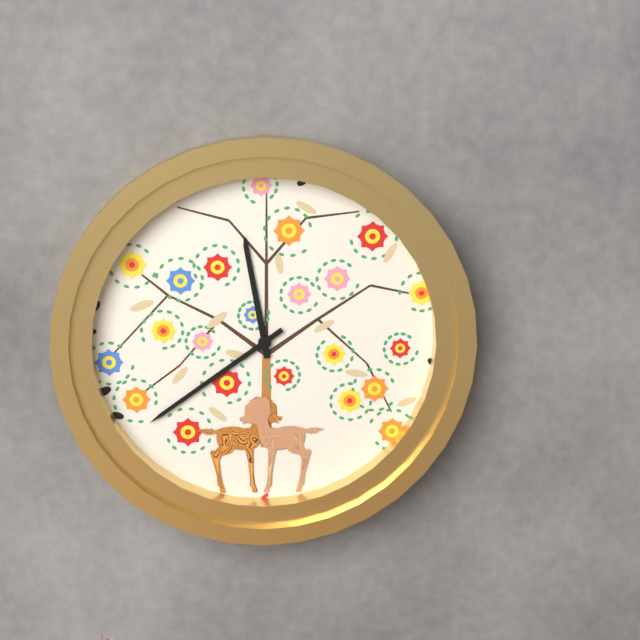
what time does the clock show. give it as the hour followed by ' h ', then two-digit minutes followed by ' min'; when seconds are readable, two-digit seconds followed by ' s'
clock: 11 h 39 min
